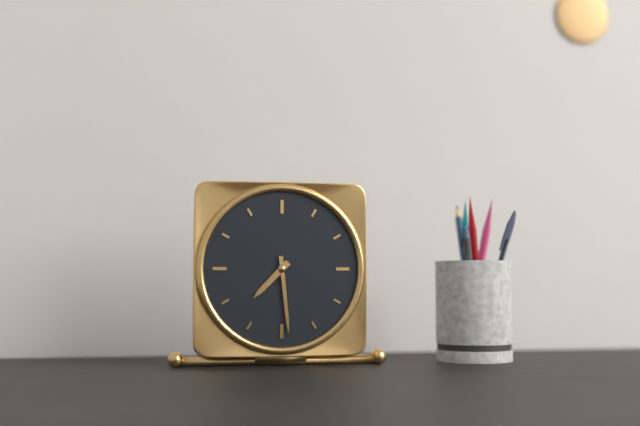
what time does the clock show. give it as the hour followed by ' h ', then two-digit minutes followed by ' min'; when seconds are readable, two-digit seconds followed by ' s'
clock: 7 h 29 min
